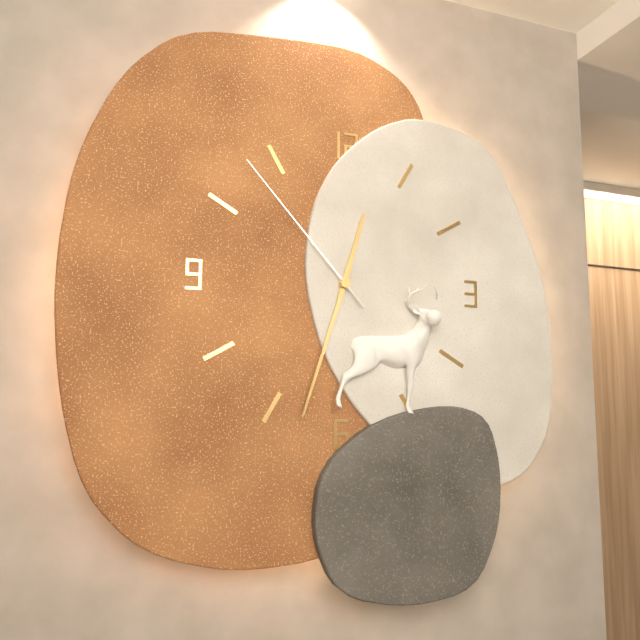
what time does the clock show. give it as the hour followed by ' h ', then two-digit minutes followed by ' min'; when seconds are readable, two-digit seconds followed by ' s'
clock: 12 h 33 min 53 s
